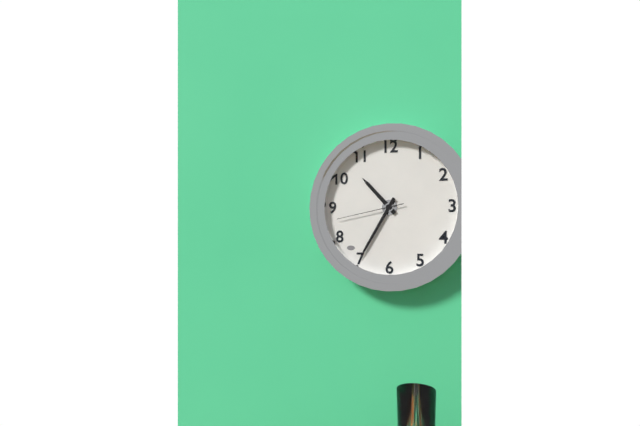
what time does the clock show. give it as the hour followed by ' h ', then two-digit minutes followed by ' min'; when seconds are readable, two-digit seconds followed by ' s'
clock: 10 h 35 min 43 s
